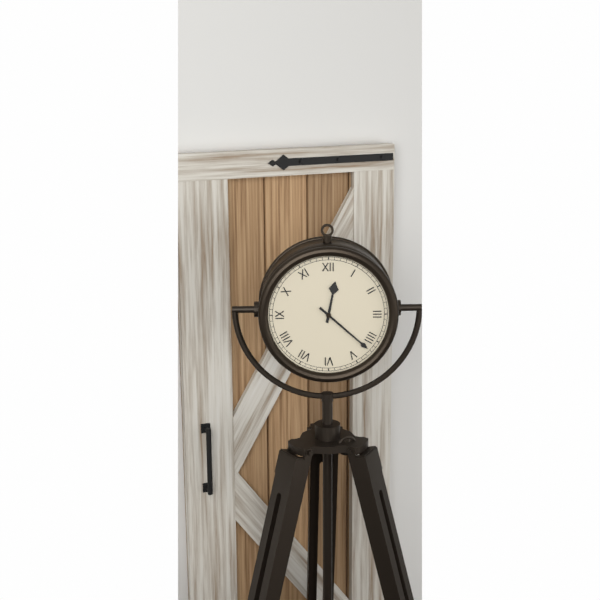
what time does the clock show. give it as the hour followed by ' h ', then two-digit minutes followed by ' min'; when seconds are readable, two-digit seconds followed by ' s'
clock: 12 h 22 min
